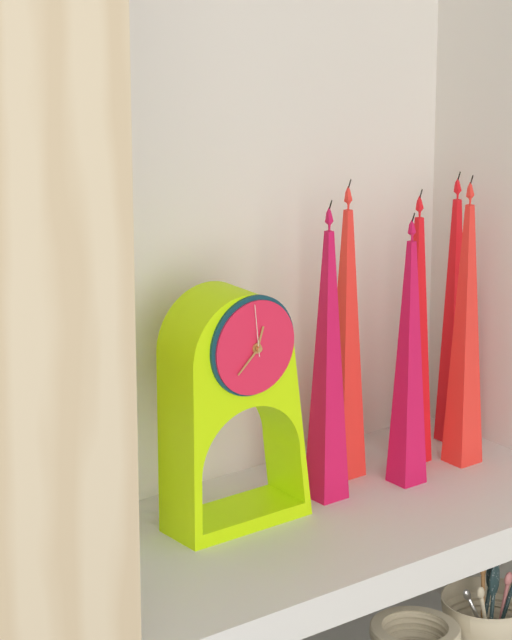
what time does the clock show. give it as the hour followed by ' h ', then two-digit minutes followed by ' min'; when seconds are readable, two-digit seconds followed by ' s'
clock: 12 h 38 min 59 s
